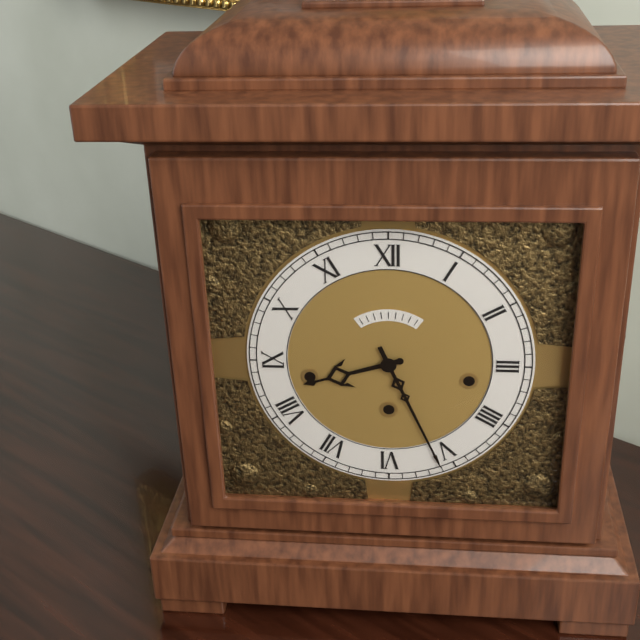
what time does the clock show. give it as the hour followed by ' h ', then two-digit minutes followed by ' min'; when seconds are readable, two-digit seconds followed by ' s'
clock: 8 h 26 min
